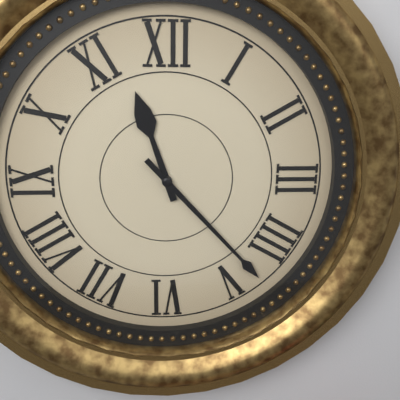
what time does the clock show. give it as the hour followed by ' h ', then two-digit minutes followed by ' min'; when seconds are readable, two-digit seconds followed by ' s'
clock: 11 h 23 min
